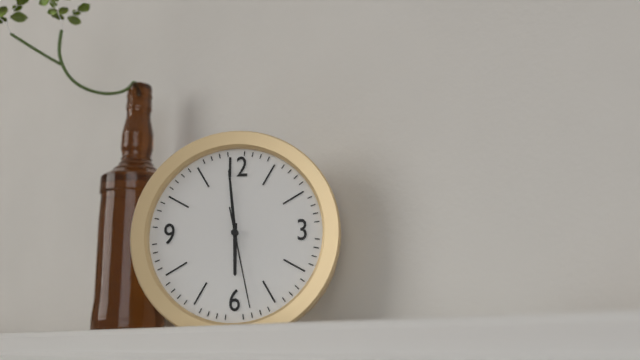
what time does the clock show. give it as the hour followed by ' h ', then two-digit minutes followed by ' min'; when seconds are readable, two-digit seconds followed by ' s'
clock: 5 h 59 min 28 s
